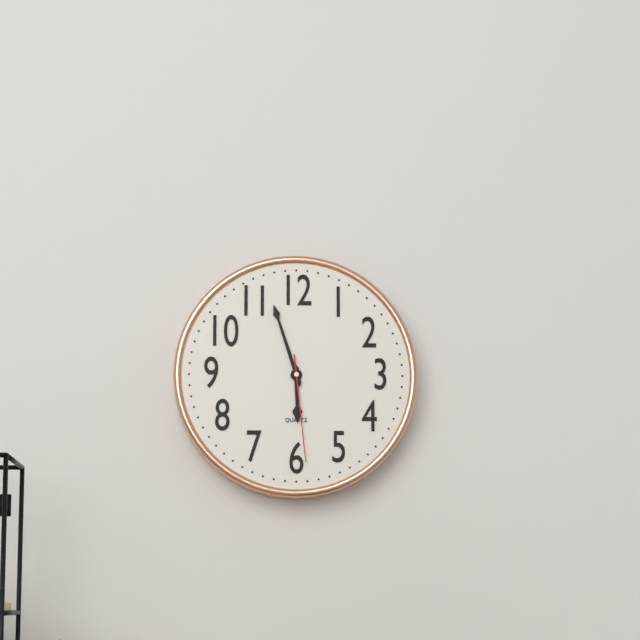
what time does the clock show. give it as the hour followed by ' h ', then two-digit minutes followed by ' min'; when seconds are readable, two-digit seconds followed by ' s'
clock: 5 h 57 min 29 s
